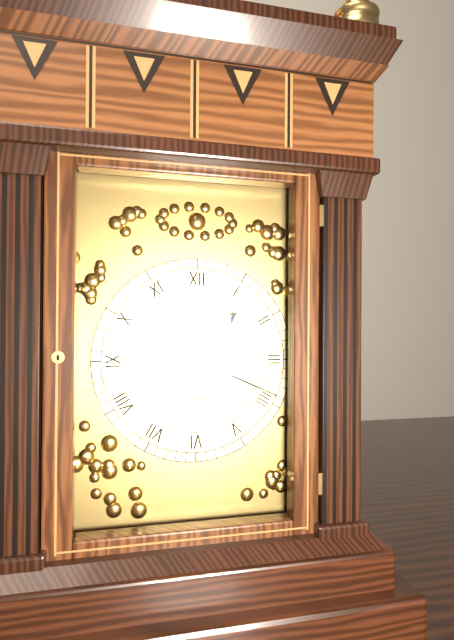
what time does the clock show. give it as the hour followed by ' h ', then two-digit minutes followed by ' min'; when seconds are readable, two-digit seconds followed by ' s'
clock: 1 h 19 min
